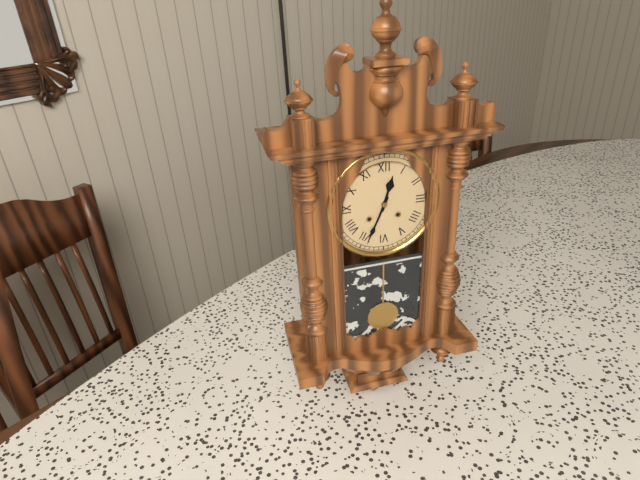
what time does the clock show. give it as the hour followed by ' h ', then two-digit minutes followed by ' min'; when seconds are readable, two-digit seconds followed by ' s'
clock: 12 h 34 min
